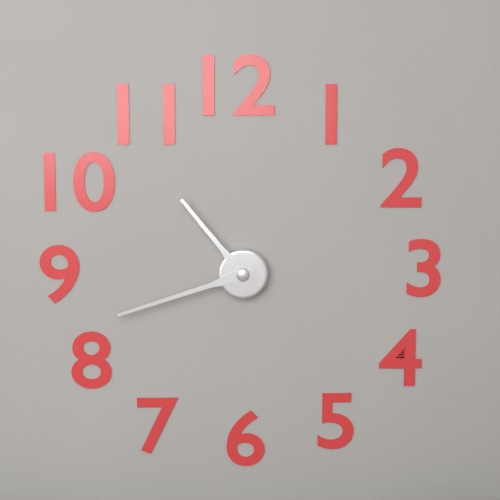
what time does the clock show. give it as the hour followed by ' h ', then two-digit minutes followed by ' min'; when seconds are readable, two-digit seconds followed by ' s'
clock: 10 h 42 min
